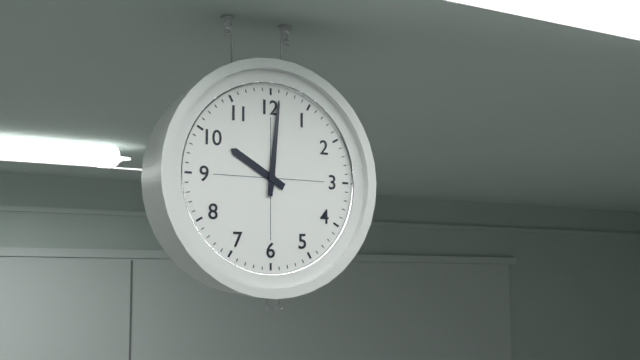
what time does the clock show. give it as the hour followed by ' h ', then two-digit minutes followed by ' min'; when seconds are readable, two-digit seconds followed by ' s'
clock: 10 h 01 min
